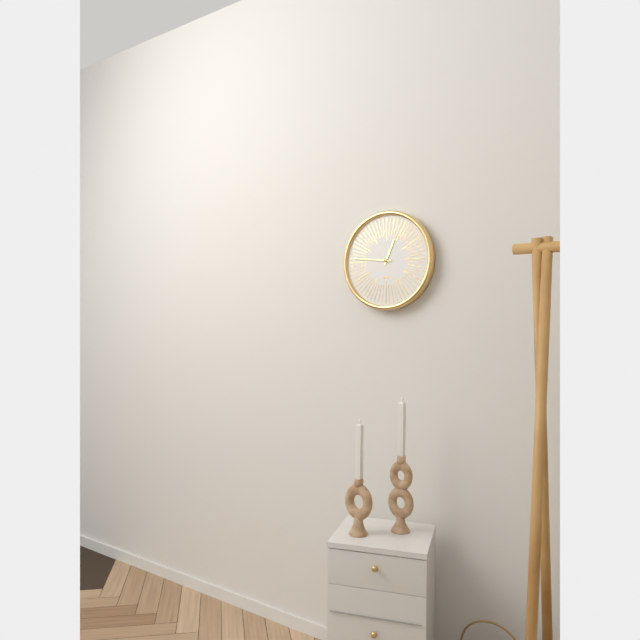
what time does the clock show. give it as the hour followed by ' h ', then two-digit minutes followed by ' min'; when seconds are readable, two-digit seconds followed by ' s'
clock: 12 h 46 min
